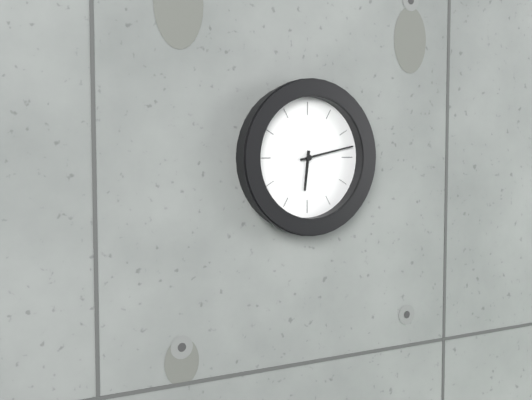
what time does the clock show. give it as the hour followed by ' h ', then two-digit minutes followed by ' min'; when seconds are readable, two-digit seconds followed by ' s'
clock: 6 h 13 min
